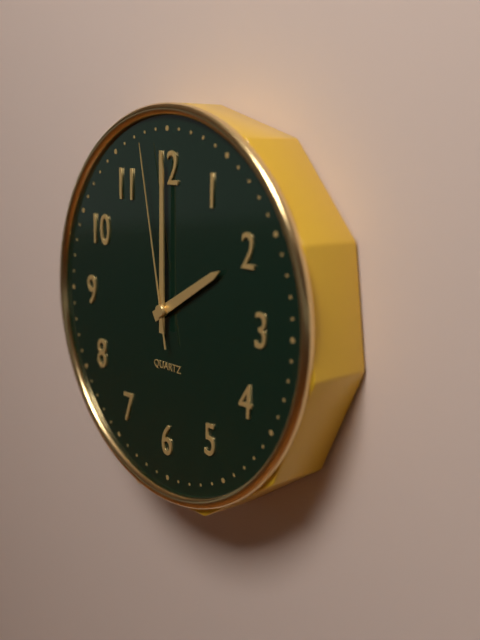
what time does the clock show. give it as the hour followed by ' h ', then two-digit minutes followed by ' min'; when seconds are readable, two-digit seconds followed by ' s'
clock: 2 h 00 min 58 s
